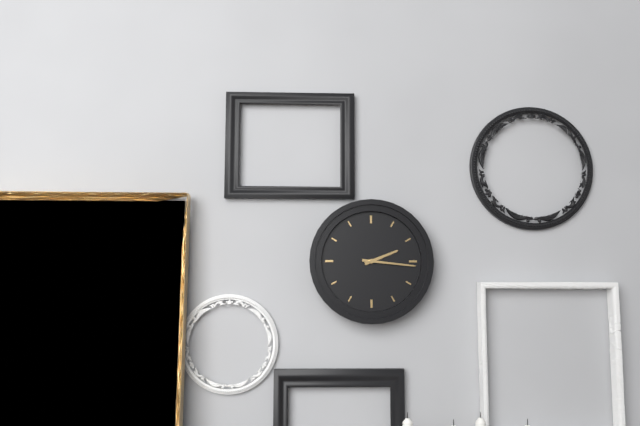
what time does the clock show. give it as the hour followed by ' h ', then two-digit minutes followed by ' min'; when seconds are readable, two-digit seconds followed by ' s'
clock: 2 h 16 min
